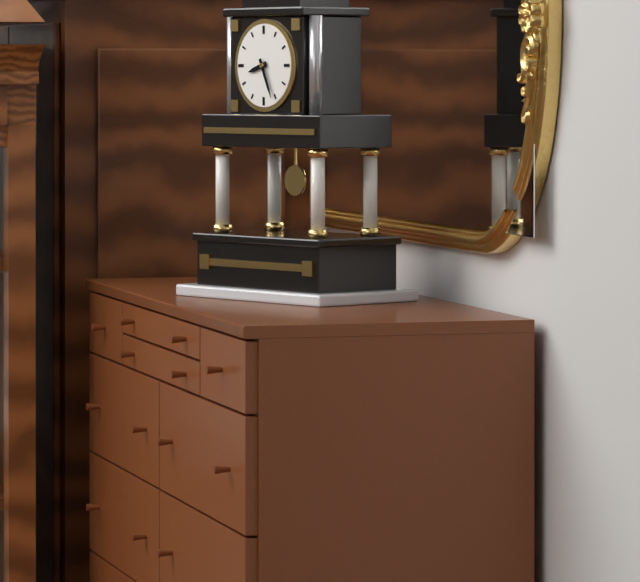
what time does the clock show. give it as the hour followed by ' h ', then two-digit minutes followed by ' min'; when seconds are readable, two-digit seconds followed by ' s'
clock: 8 h 26 min
